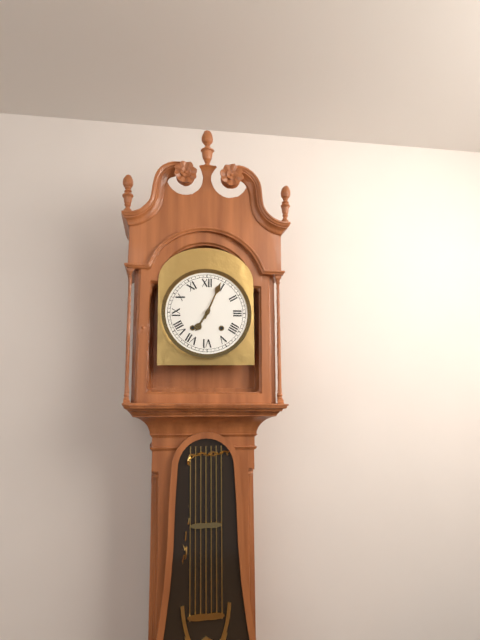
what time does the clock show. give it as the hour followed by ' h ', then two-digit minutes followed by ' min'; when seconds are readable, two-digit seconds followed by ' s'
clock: 7 h 04 min
